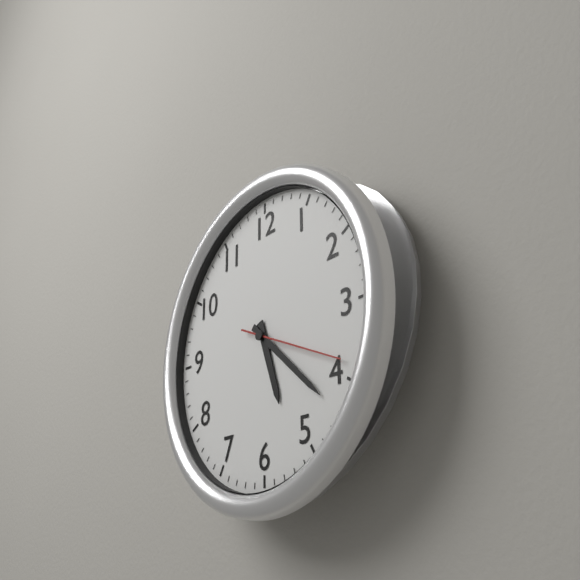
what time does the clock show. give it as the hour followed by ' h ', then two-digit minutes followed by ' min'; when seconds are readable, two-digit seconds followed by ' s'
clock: 5 h 22 min 19 s
